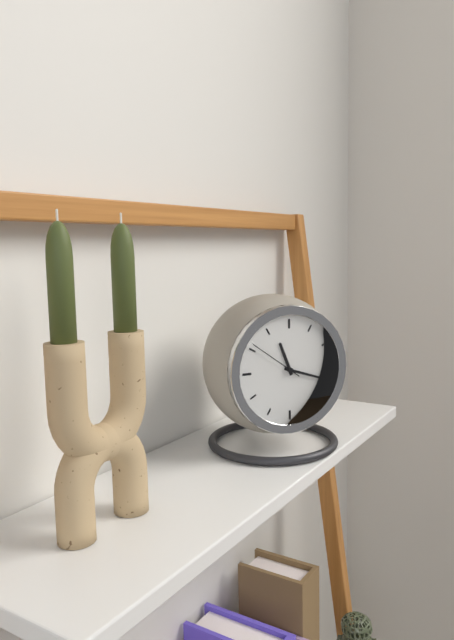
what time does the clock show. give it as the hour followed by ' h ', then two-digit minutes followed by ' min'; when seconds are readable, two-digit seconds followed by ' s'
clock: 11 h 18 min 51 s
